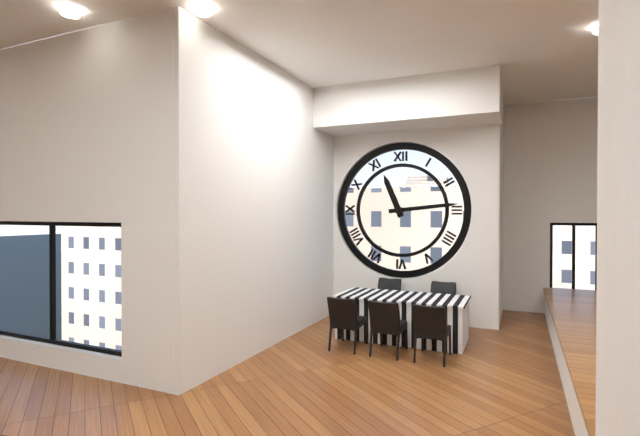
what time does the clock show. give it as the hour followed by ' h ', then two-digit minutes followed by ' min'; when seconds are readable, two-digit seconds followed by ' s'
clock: 11 h 14 min
